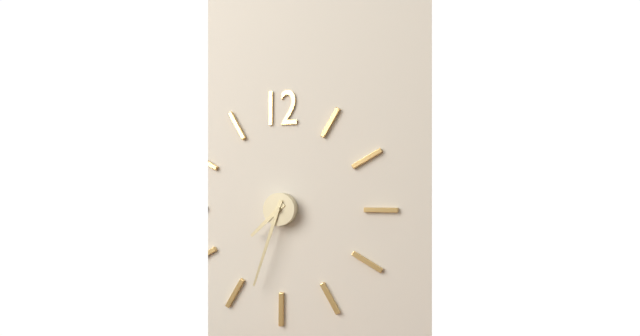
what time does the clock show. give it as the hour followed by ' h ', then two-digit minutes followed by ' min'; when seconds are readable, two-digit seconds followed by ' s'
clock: 7 h 33 min
